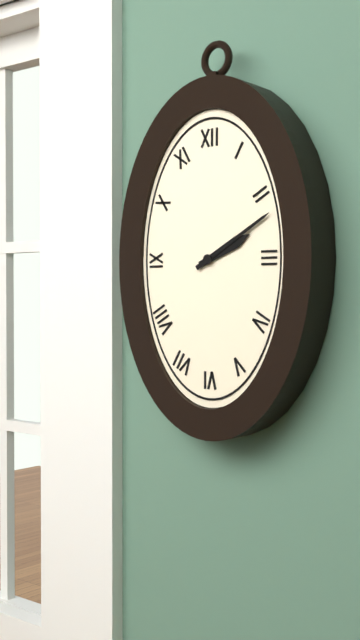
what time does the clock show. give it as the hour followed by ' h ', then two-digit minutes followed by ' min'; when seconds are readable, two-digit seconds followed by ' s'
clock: 2 h 10 min
